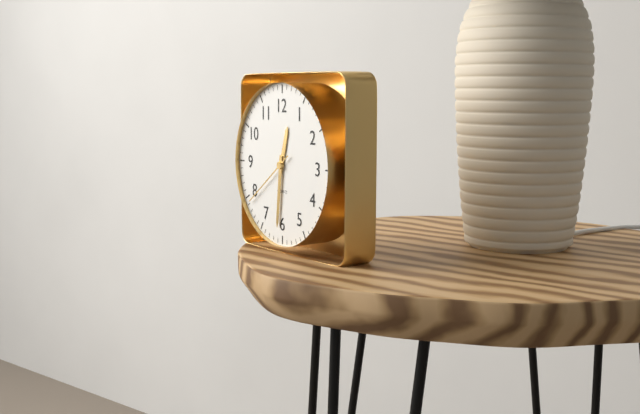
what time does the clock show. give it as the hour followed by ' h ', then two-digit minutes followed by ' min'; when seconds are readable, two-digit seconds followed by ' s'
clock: 12 h 31 min 39 s
